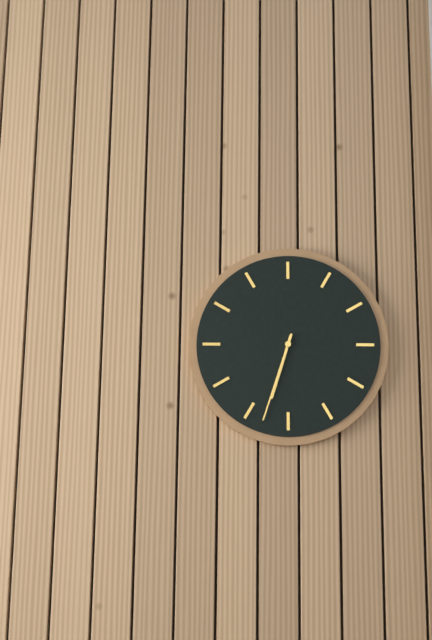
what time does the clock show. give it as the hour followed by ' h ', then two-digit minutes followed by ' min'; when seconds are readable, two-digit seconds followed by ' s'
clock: 6 h 33 min
